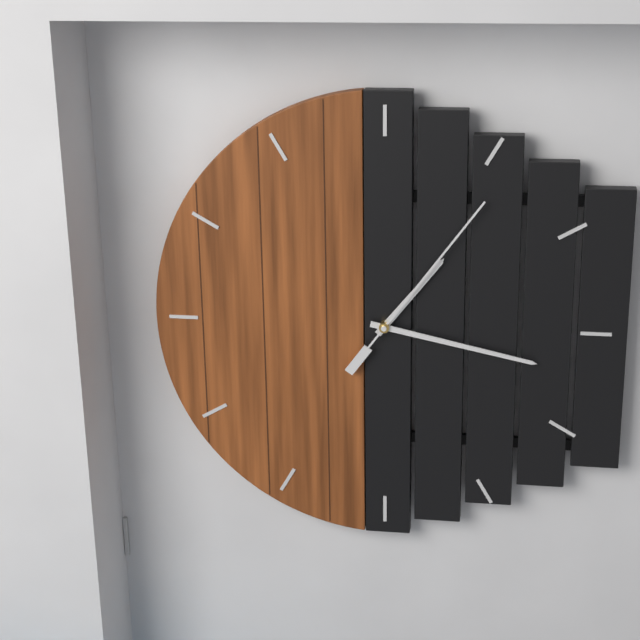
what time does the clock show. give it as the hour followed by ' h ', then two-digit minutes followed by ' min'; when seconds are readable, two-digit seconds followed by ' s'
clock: 1 h 17 min 06 s
